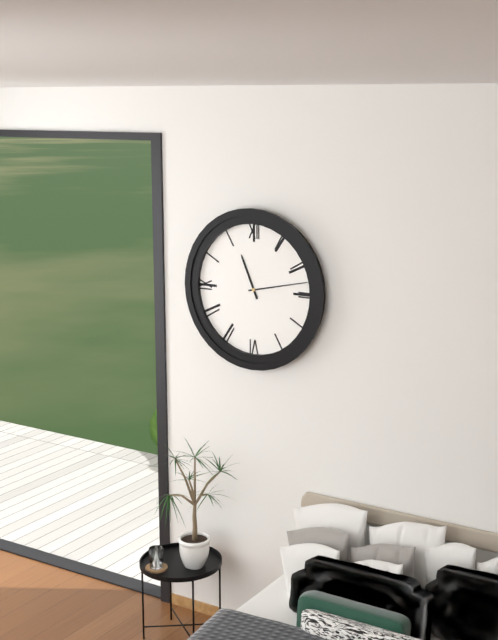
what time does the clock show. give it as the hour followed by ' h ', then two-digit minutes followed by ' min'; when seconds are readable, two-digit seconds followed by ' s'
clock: 11 h 13 min
